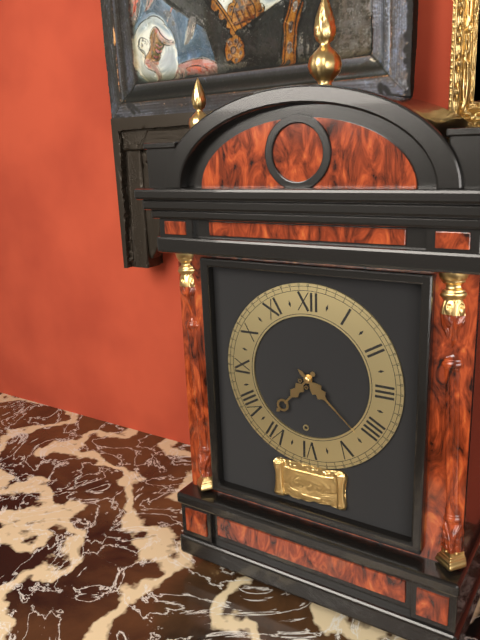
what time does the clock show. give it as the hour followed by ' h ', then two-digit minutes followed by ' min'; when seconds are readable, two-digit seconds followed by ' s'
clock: 7 h 22 min
